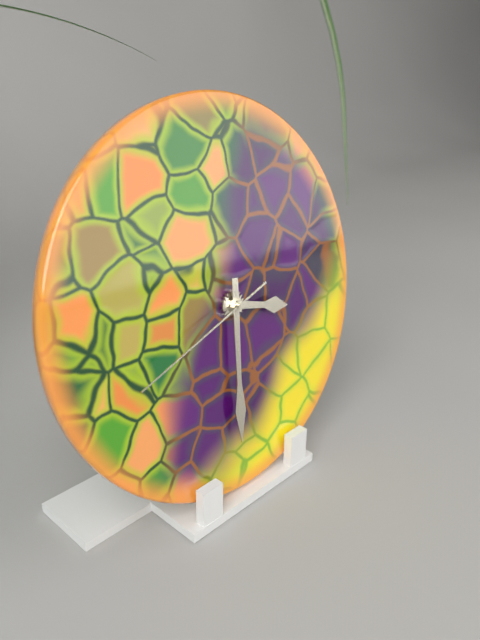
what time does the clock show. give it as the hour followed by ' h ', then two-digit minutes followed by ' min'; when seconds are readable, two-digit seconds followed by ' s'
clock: 3 h 31 min 42 s
